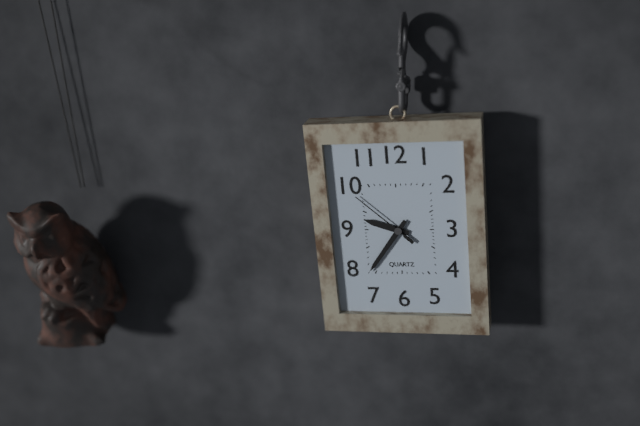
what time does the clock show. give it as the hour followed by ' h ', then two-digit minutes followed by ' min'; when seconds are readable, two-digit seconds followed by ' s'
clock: 9 h 36 min 52 s
